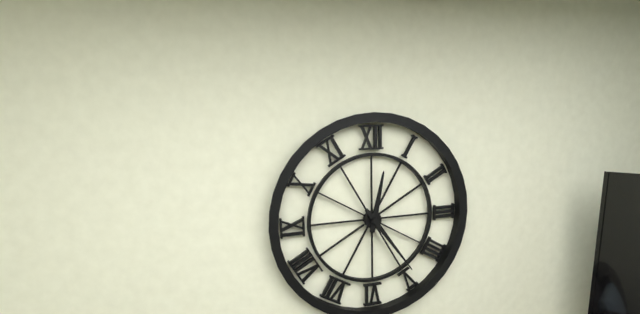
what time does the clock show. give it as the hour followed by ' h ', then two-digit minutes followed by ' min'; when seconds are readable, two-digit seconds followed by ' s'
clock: 12 h 24 min
